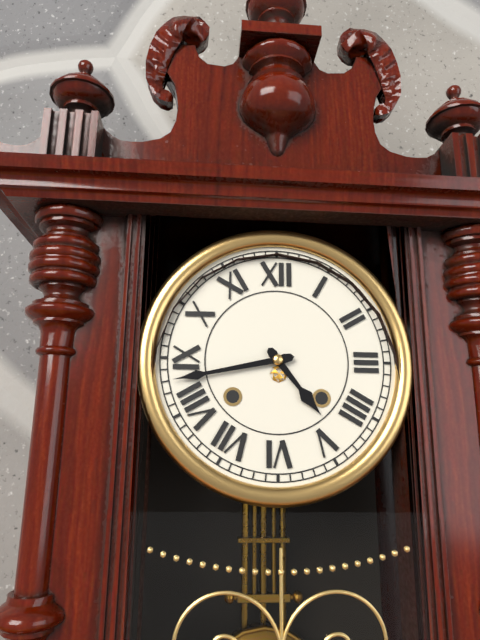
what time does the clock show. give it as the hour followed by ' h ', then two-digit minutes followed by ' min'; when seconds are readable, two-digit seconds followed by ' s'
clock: 4 h 43 min
